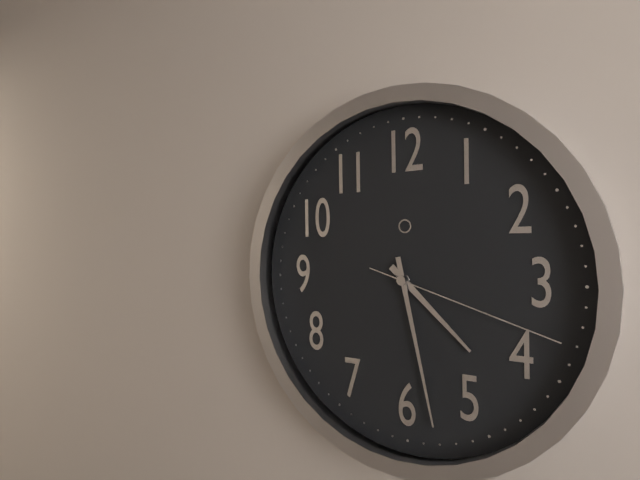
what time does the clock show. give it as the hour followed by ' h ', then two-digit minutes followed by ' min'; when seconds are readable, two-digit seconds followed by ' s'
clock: 4 h 28 min 18 s
